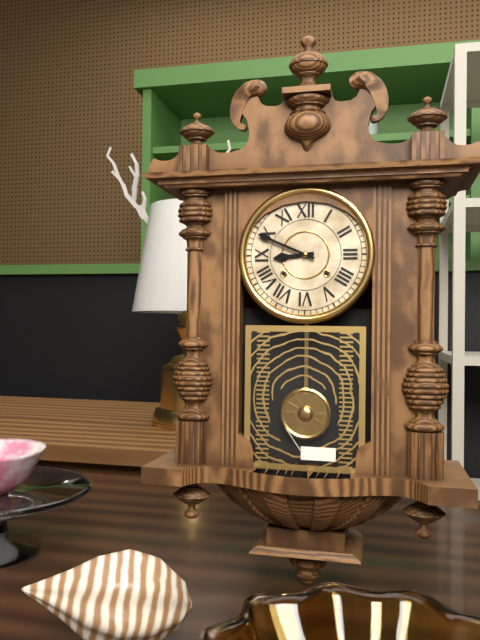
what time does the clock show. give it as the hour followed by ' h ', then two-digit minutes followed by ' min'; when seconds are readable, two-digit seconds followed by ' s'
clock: 8 h 49 min
